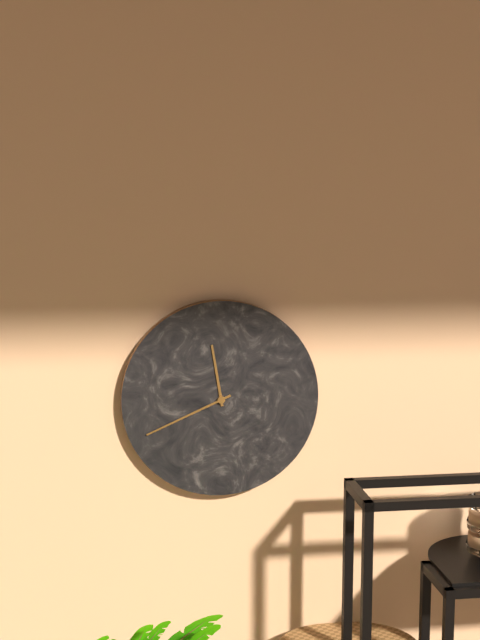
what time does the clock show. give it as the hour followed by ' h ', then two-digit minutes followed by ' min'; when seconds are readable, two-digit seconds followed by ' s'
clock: 11 h 41 min
